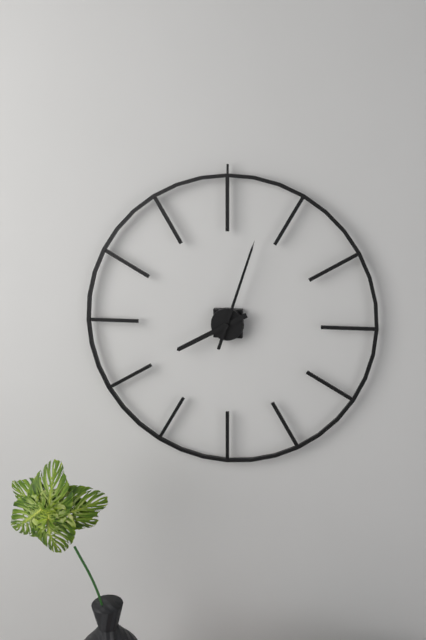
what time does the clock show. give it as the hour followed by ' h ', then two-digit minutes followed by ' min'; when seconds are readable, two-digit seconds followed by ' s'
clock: 8 h 03 min
